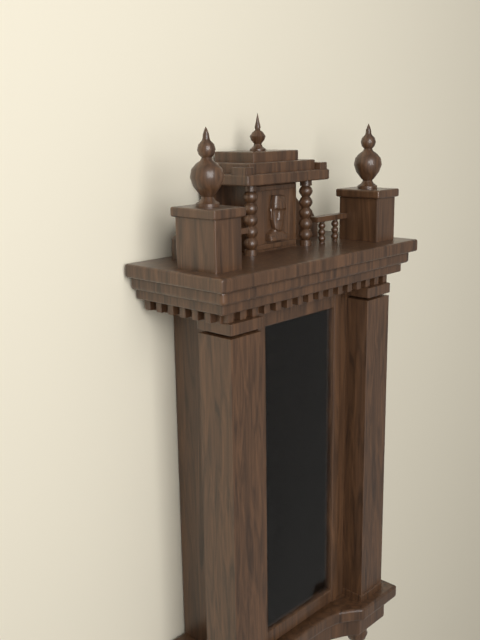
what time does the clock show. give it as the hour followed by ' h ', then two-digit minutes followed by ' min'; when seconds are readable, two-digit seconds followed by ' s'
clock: 4 h 54 min
